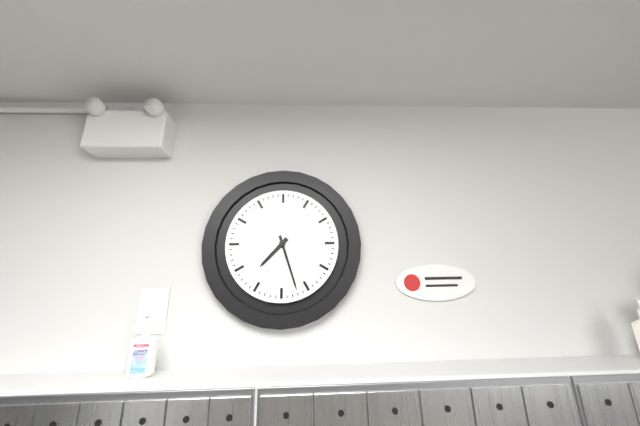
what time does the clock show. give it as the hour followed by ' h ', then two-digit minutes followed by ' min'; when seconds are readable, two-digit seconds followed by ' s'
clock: 7 h 27 min
